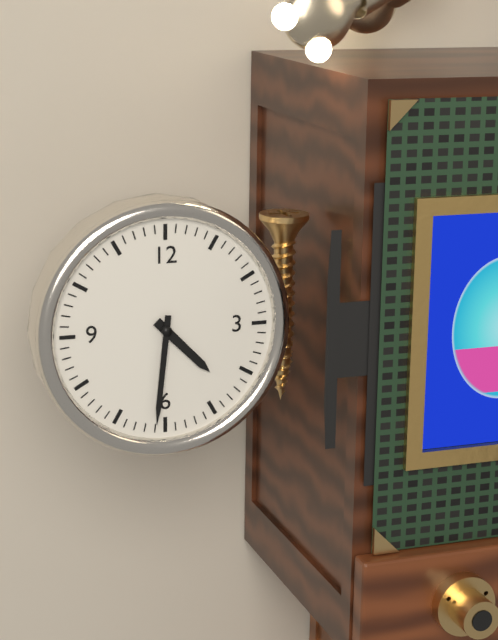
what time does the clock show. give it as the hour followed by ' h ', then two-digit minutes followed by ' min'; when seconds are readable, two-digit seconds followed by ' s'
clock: 4 h 31 min
